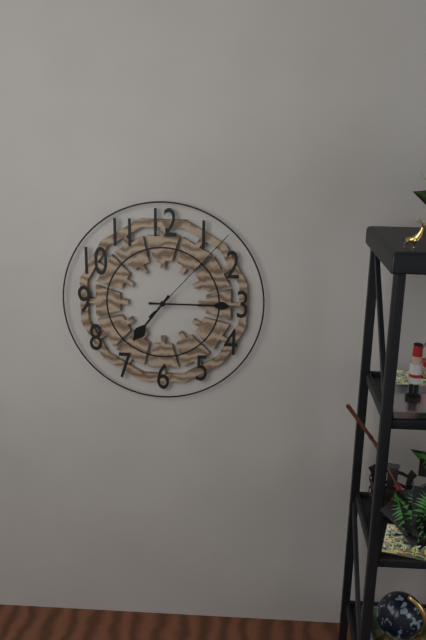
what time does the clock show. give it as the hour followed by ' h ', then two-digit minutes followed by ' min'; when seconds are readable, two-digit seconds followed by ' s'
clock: 7 h 15 min 07 s
